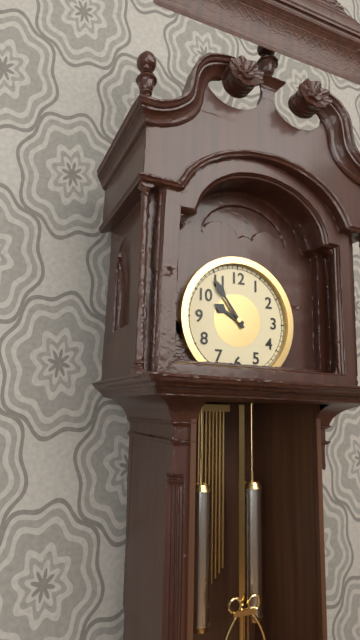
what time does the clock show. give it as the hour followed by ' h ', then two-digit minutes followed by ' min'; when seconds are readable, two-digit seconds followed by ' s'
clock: 9 h 54 min
